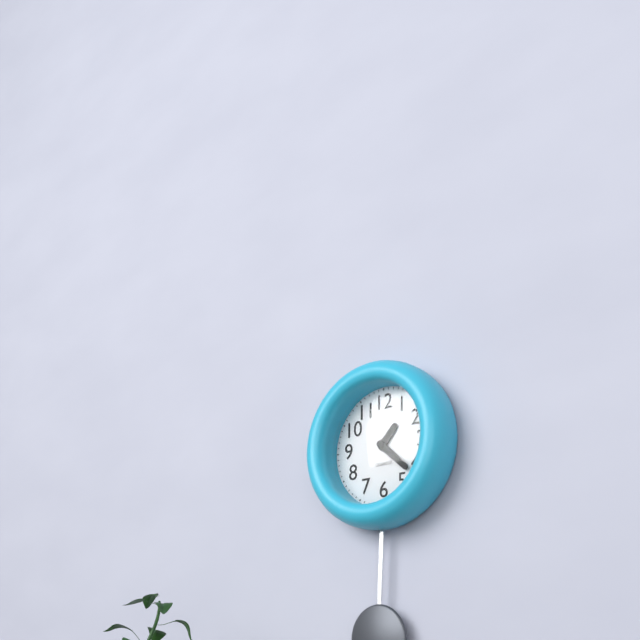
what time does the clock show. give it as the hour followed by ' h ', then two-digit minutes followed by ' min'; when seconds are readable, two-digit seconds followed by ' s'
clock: 1 h 22 min
